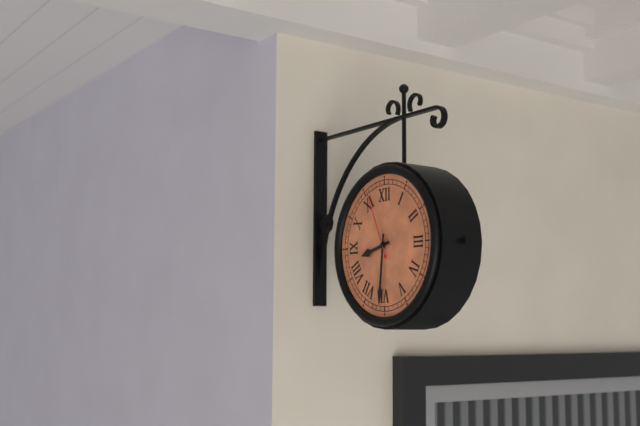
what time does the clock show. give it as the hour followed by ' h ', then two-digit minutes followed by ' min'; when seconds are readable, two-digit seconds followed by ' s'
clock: 8 h 31 min 56 s
